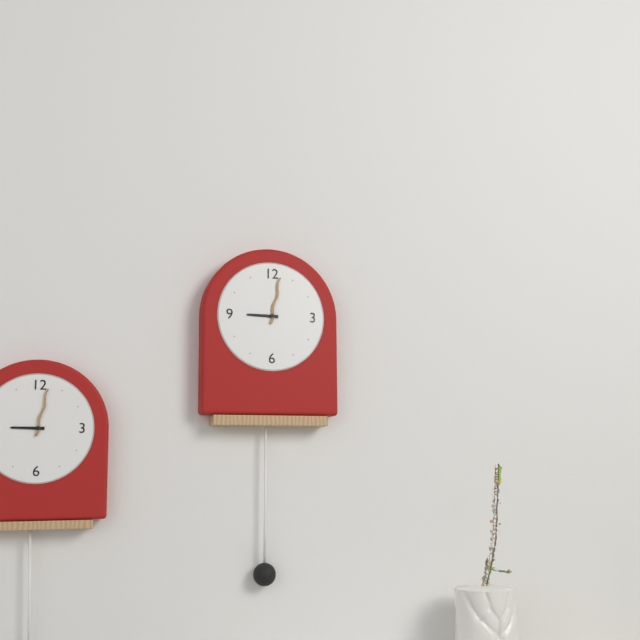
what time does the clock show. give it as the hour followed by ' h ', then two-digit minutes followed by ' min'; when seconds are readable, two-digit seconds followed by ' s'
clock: 9 h 02 min
